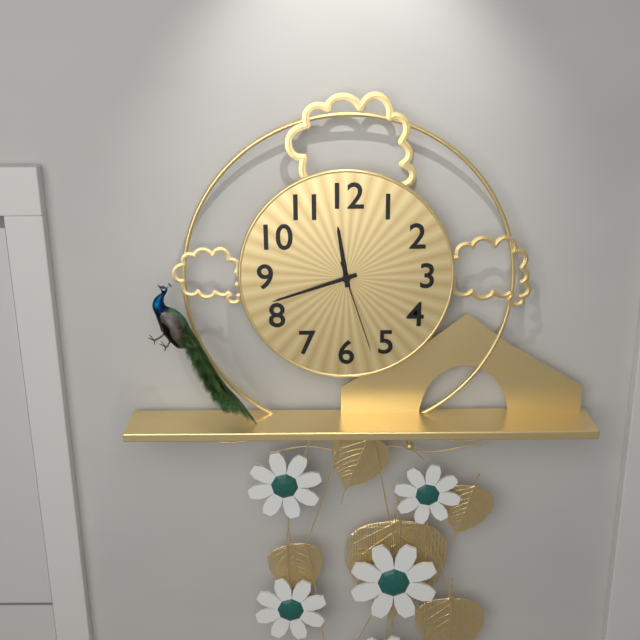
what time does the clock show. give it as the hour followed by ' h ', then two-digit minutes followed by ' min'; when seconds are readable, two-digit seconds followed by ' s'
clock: 11 h 42 min 27 s
